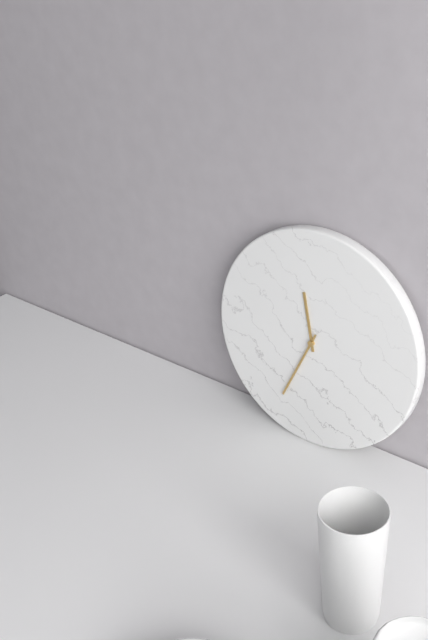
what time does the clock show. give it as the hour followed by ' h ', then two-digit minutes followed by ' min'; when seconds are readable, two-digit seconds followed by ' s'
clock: 11 h 34 min
